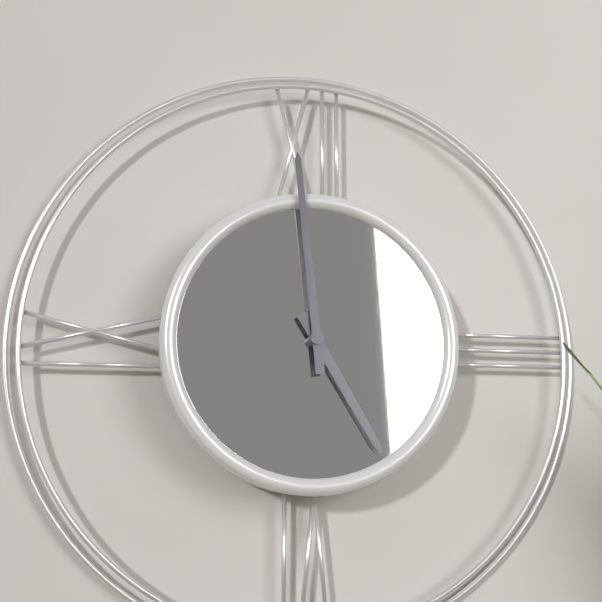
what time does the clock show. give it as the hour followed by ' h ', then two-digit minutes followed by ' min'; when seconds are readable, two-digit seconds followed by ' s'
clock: 4 h 59 min
